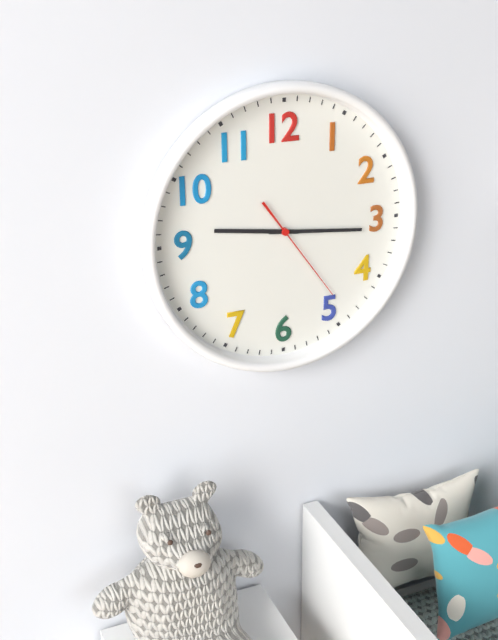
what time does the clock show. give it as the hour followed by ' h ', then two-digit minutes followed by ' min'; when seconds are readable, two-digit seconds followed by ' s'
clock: 9 h 16 min 24 s
